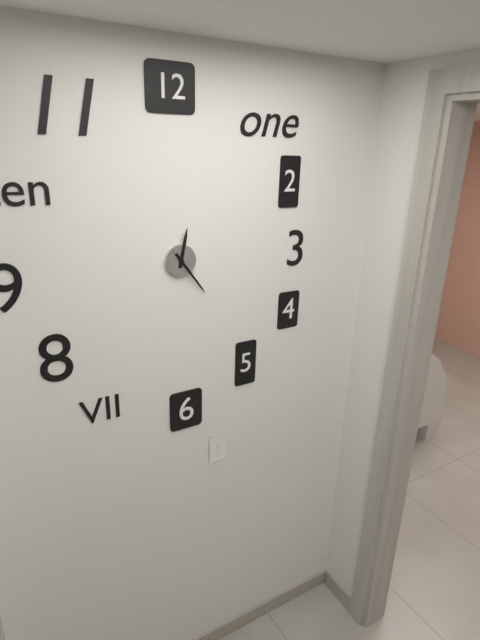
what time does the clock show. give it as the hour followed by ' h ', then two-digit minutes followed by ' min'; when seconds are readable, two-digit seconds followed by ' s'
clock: 12 h 24 min
